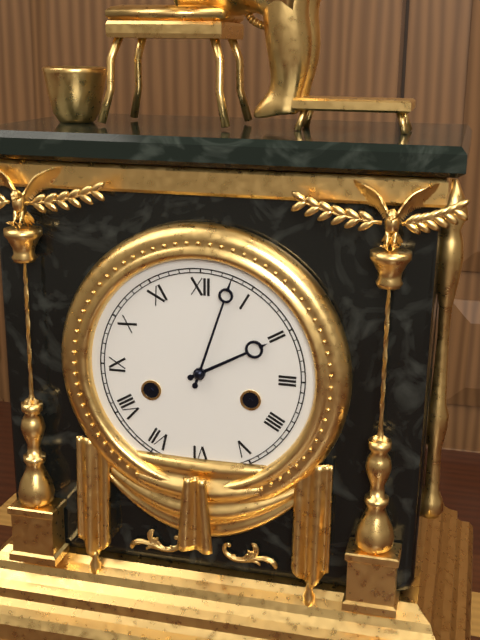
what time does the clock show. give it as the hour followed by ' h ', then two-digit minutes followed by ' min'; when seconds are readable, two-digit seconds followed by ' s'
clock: 2 h 03 min
